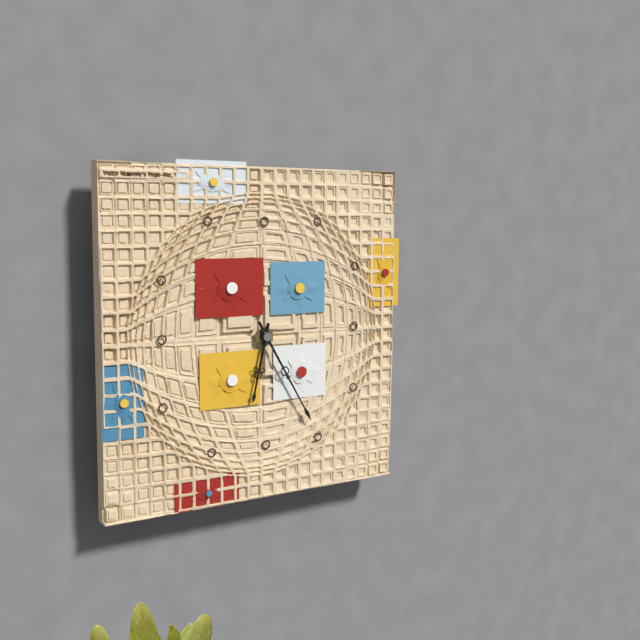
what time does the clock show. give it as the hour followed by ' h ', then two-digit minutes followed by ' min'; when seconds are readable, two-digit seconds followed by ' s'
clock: 6 h 25 min
